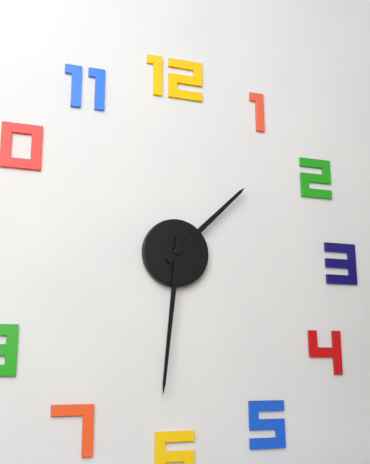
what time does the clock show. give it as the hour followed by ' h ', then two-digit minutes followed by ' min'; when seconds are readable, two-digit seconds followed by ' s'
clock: 1 h 31 min
